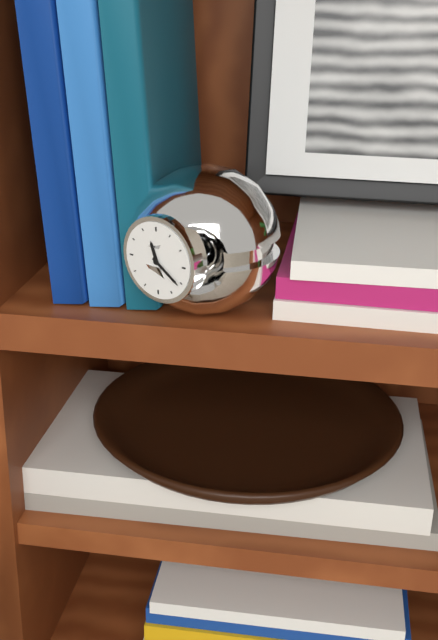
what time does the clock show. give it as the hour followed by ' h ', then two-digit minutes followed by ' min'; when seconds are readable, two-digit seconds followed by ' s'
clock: 11 h 21 min
